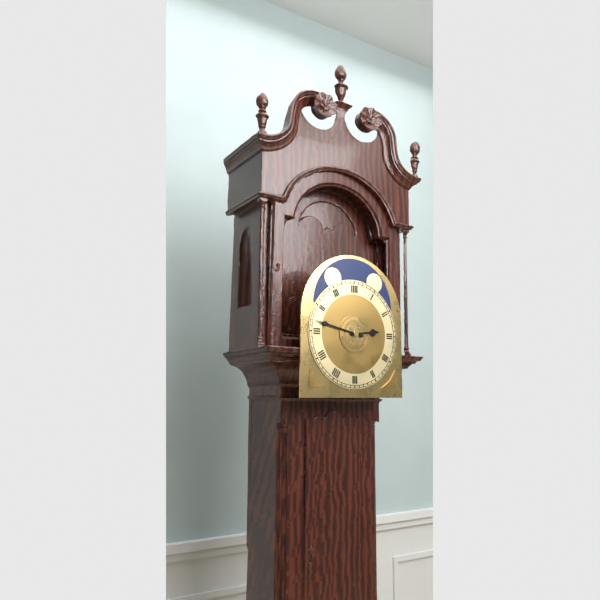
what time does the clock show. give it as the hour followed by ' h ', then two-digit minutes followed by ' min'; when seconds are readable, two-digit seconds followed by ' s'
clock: 2 h 47 min
